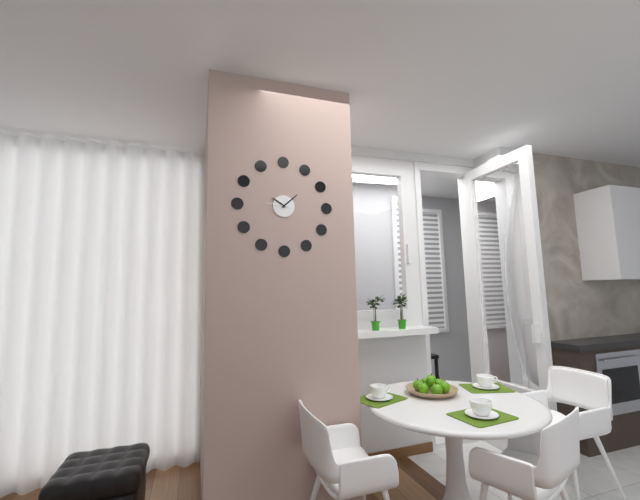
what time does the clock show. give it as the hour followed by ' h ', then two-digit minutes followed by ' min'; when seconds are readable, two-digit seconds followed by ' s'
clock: 10 h 08 min
